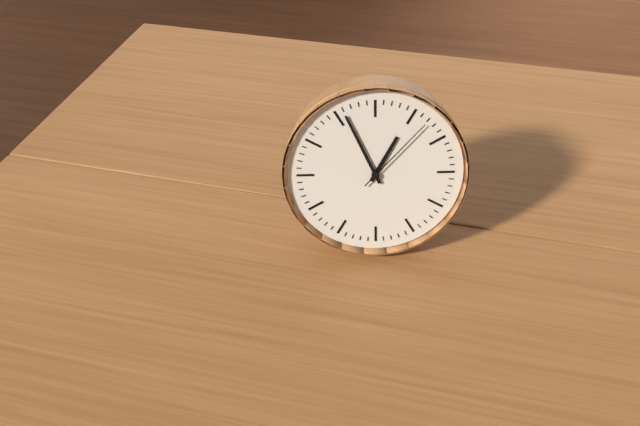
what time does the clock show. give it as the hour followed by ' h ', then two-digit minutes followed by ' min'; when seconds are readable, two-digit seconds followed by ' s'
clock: 12 h 56 min 07 s
